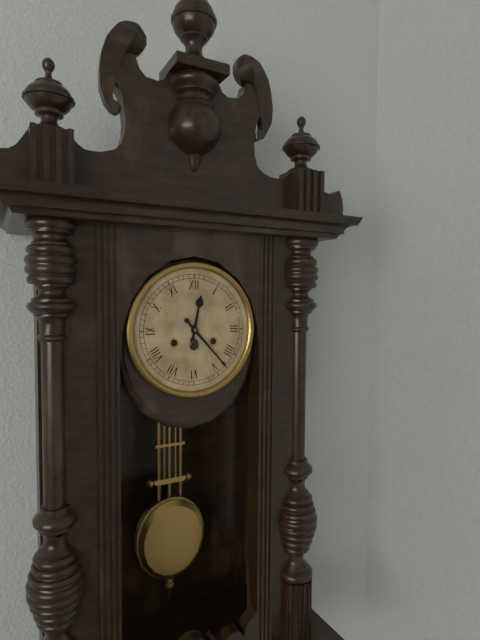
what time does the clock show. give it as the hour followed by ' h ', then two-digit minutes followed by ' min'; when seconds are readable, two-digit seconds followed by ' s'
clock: 12 h 23 min
